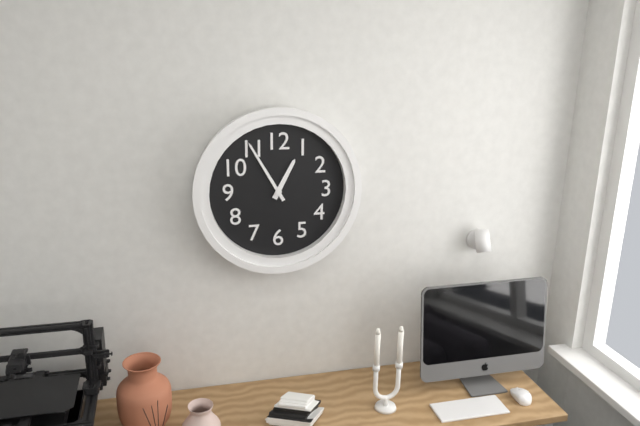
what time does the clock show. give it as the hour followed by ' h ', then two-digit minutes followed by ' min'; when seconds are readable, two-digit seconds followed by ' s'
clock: 12 h 55 min
